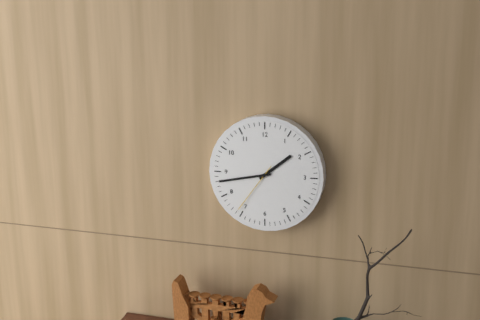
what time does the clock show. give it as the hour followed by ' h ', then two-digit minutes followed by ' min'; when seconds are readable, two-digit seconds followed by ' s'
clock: 1 h 43 min 36 s
